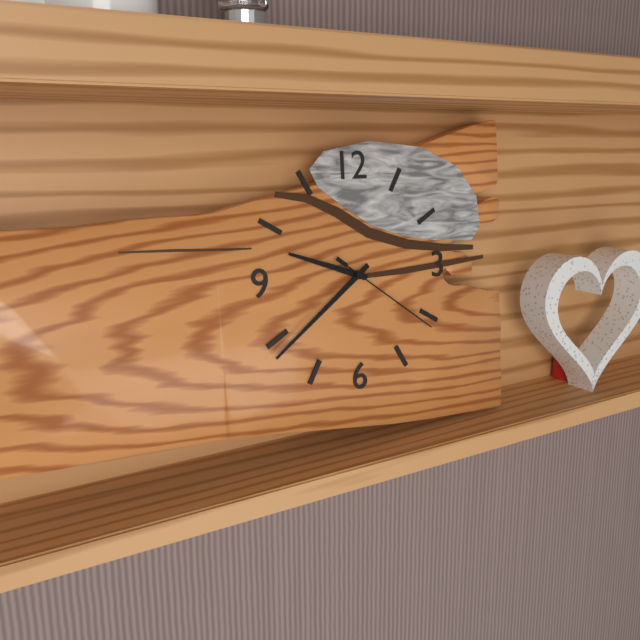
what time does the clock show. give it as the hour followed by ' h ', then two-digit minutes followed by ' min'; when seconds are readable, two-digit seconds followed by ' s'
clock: 9 h 39 min 21 s
